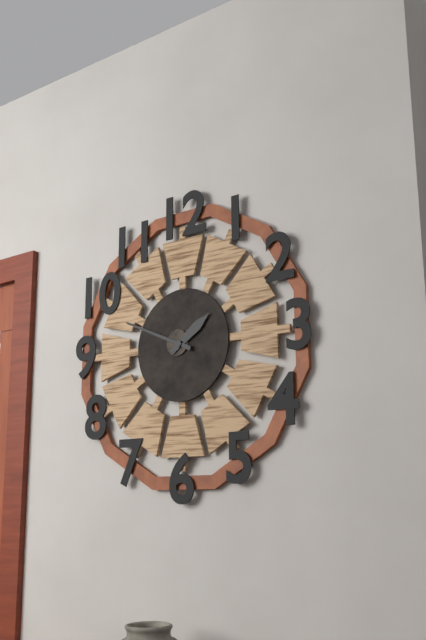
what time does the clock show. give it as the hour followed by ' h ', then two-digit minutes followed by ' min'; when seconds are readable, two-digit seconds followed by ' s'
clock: 1 h 49 min
